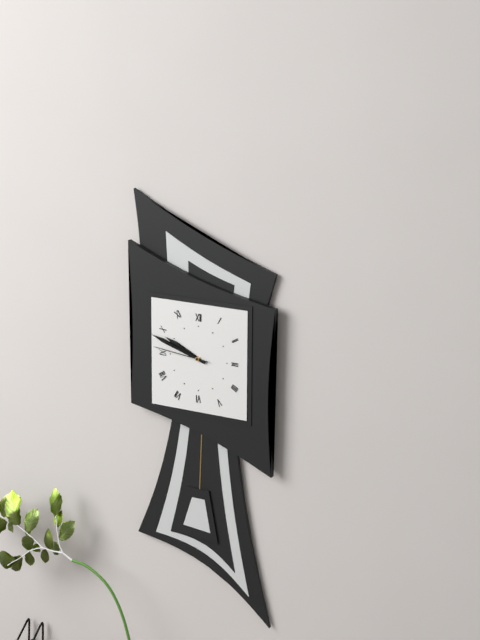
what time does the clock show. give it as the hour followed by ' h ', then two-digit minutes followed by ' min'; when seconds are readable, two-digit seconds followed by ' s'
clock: 9 h 48 min 46 s
